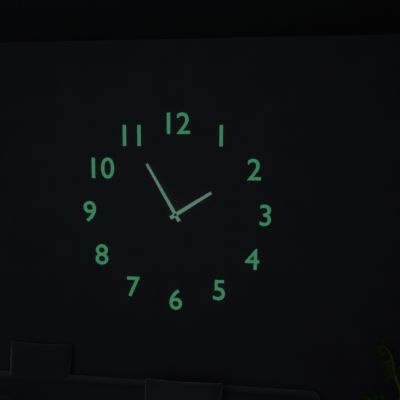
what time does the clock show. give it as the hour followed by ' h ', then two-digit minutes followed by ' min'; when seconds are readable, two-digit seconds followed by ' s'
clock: 1 h 55 min
